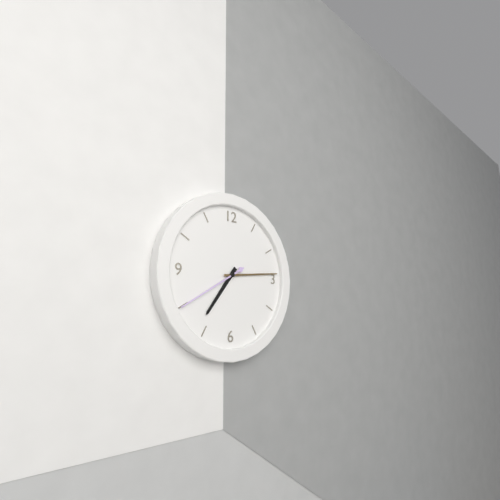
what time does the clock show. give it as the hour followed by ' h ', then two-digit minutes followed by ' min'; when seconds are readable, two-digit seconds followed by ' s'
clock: 7 h 14 min 40 s
